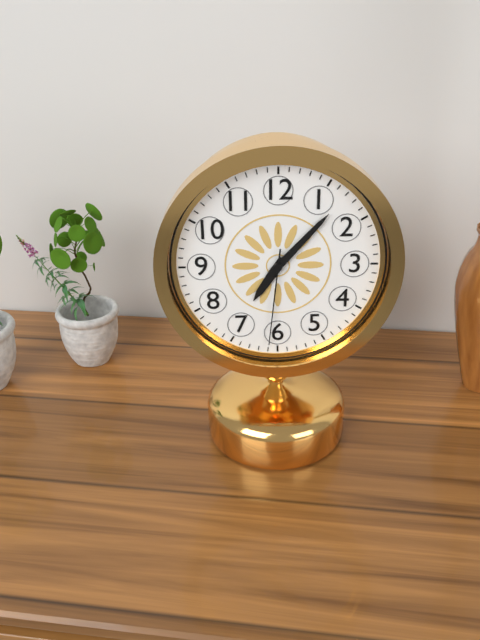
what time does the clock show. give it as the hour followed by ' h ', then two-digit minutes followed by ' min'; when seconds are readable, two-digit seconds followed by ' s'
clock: 7 h 07 min 31 s
